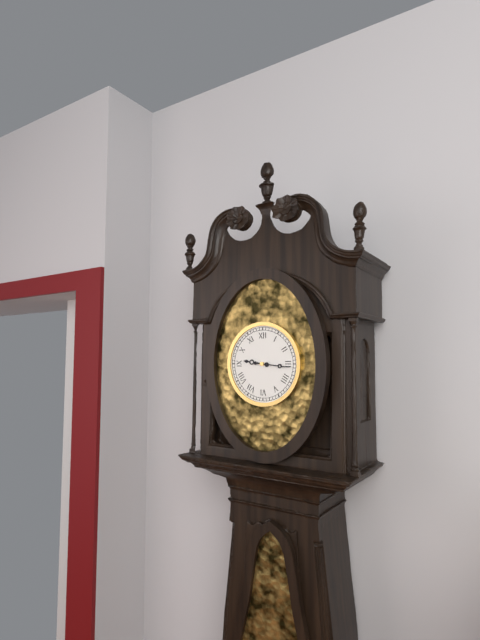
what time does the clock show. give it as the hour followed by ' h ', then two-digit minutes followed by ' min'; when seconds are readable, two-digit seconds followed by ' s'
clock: 9 h 16 min
